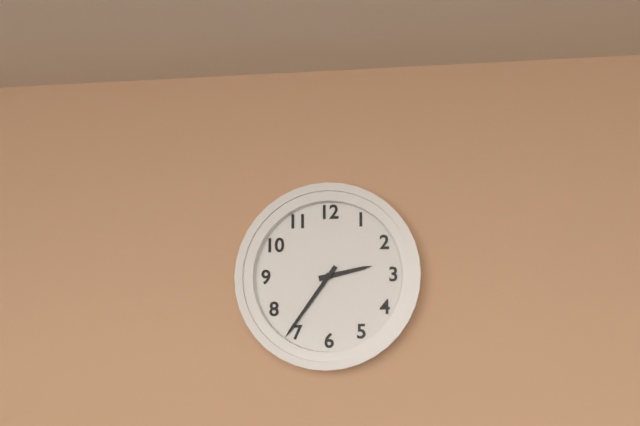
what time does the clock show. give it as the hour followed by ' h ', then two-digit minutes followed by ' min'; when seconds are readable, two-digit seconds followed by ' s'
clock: 2 h 36 min
